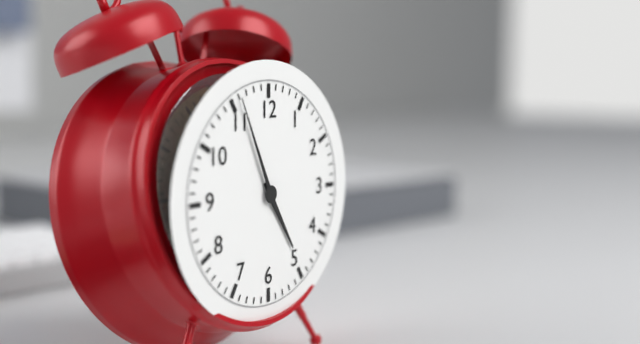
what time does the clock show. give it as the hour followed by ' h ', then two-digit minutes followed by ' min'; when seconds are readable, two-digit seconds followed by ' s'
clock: 4 h 56 min
